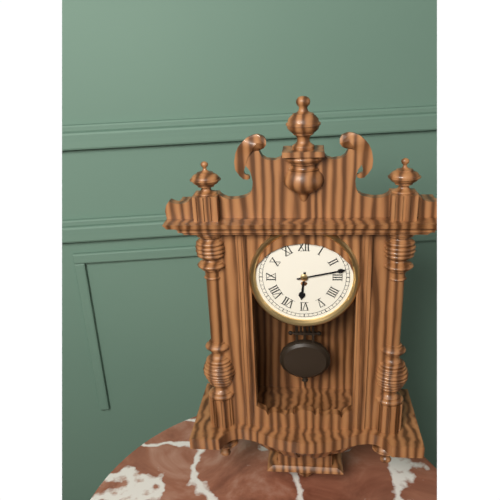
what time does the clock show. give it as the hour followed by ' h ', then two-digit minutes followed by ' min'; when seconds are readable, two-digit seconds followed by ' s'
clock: 6 h 13 min
